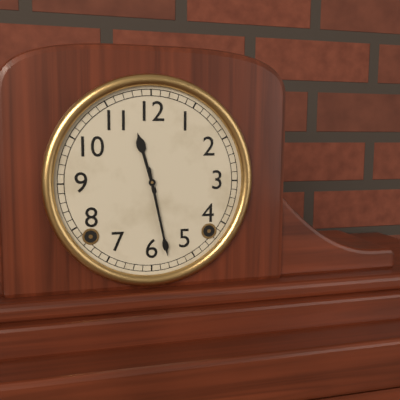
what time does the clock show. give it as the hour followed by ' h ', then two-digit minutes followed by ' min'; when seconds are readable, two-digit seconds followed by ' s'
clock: 11 h 28 min
